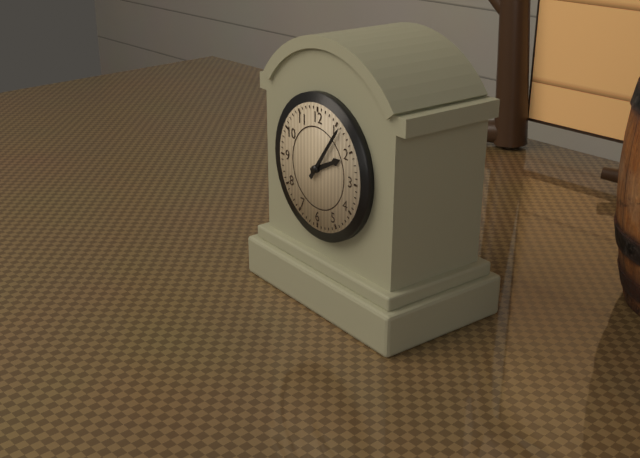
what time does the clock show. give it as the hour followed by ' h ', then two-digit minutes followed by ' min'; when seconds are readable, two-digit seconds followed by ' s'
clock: 2 h 06 min
